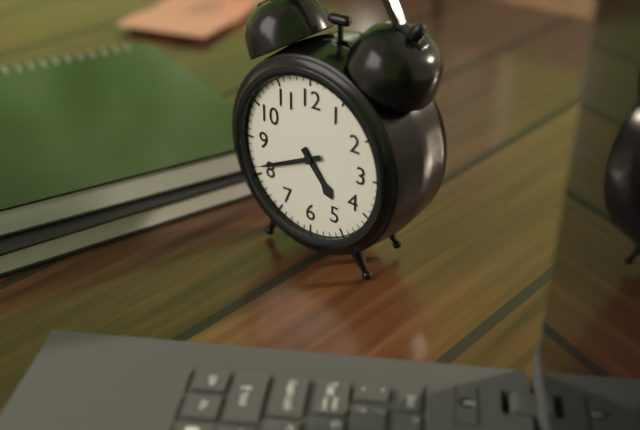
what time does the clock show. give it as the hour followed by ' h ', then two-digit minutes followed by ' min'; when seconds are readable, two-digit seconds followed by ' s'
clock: 4 h 41 min
